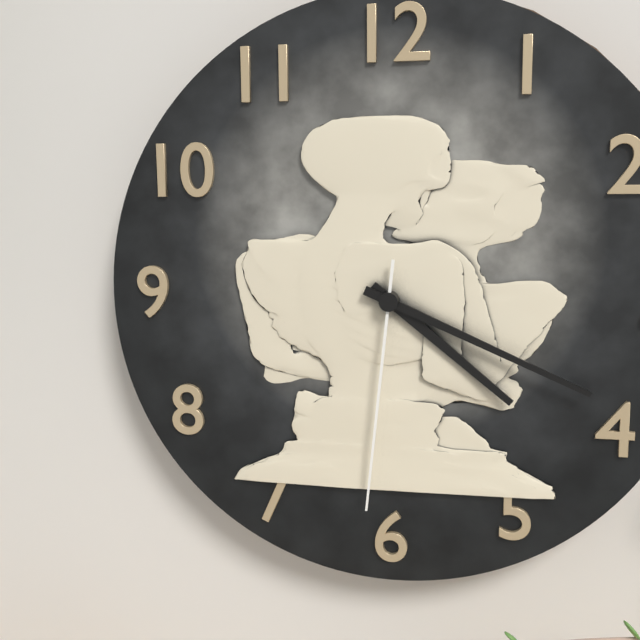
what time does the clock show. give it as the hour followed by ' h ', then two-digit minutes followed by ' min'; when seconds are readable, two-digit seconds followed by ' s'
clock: 4 h 19 min 31 s
